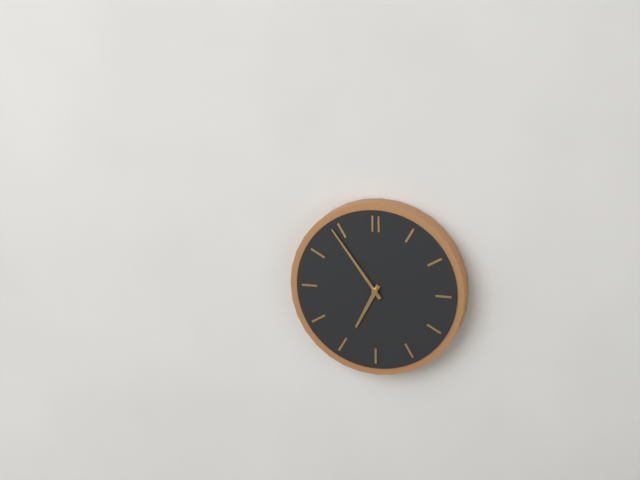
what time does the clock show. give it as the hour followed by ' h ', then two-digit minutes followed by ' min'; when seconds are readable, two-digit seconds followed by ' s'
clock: 6 h 54 min
